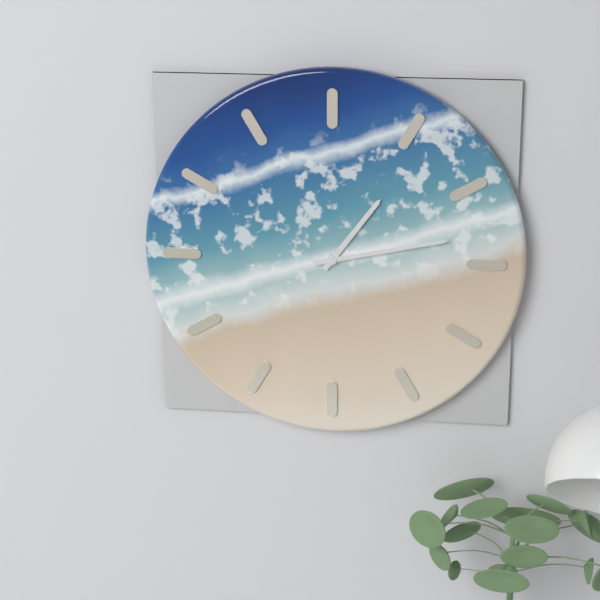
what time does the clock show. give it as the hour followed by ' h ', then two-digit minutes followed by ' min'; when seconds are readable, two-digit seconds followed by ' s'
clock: 1 h 13 min
